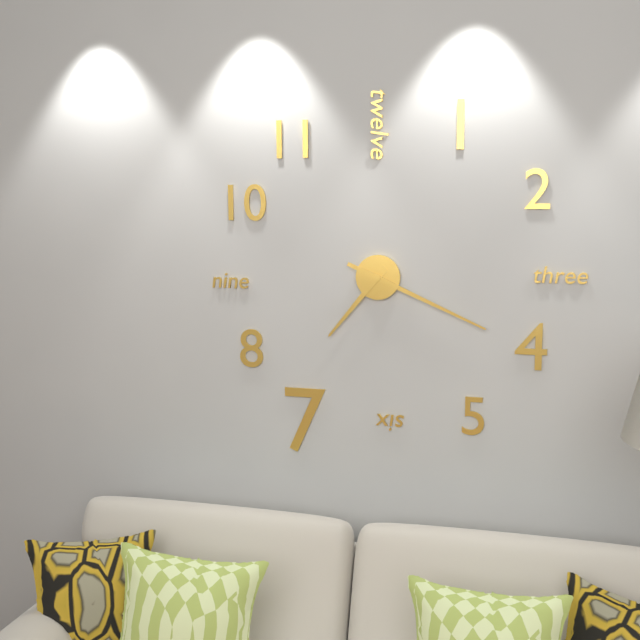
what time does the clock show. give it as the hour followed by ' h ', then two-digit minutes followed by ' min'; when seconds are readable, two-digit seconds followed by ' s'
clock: 7 h 19 min
